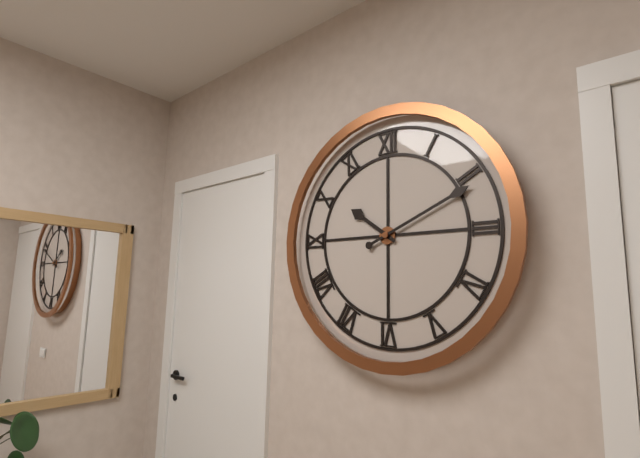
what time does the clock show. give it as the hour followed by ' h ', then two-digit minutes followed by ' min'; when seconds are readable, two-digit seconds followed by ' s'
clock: 10 h 11 min
